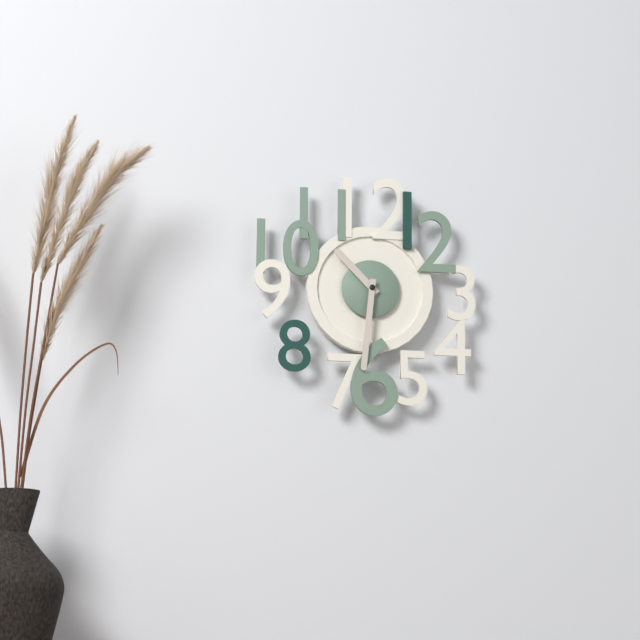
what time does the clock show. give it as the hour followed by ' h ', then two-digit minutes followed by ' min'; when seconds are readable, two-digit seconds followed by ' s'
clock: 10 h 31 min
